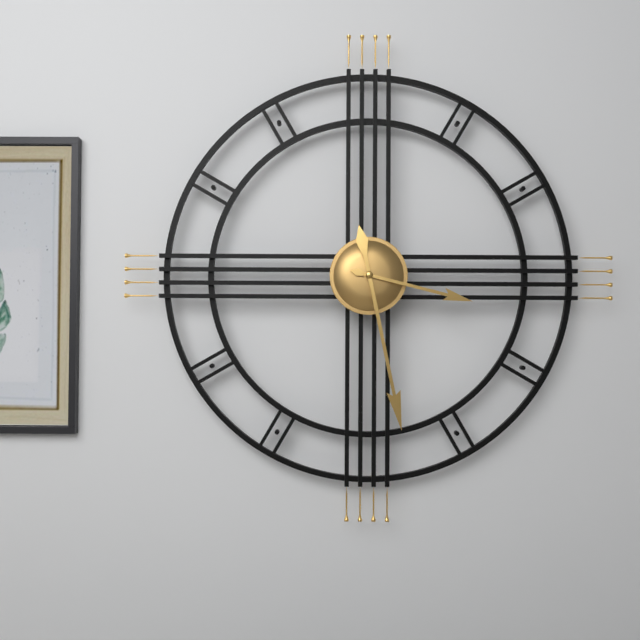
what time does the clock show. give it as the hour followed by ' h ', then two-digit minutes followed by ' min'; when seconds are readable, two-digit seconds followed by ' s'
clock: 3 h 28 min
